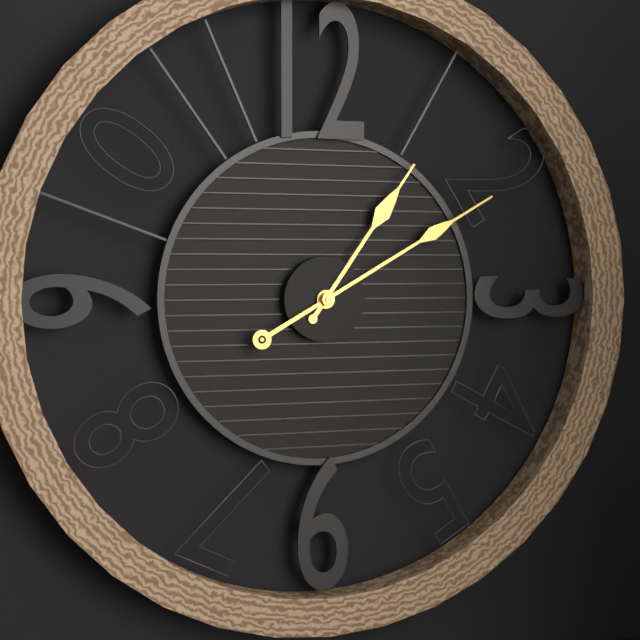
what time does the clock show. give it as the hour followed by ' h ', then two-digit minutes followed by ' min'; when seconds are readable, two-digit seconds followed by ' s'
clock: 1 h 10 min
